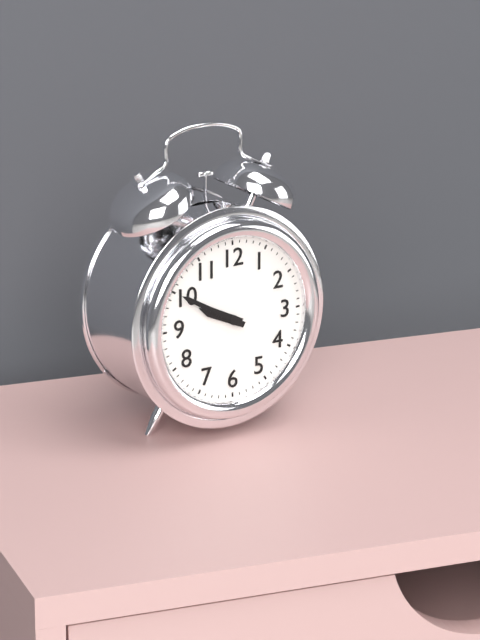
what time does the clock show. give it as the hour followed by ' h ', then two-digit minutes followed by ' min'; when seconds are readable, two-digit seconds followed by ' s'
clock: 9 h 50 min
